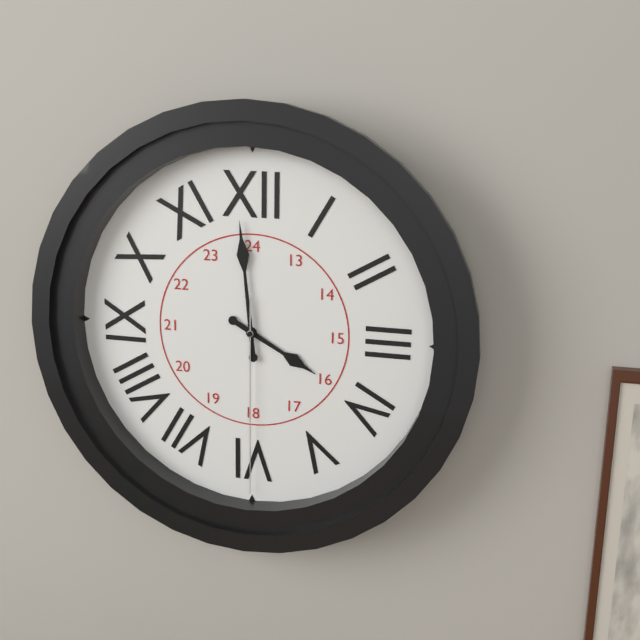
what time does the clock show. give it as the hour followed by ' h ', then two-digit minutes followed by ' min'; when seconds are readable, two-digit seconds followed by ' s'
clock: 3 h 59 min 30 s
